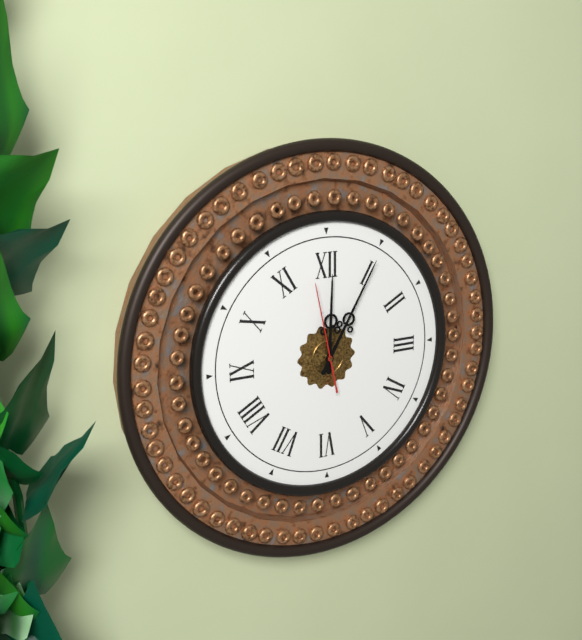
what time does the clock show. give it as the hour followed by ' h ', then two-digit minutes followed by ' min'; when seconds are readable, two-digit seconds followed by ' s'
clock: 12 h 05 min 58 s
